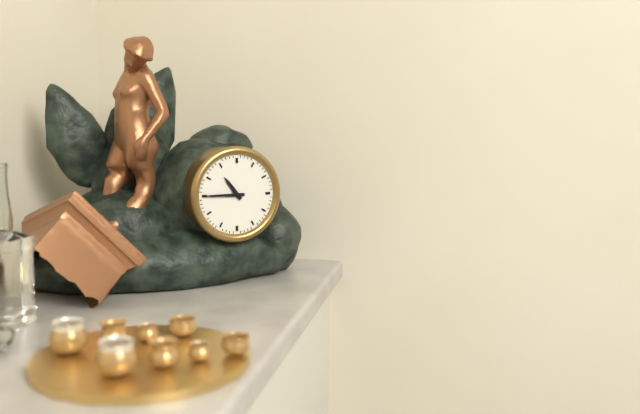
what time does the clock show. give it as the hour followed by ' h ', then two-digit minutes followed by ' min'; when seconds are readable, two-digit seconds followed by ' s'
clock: 10 h 45 min
